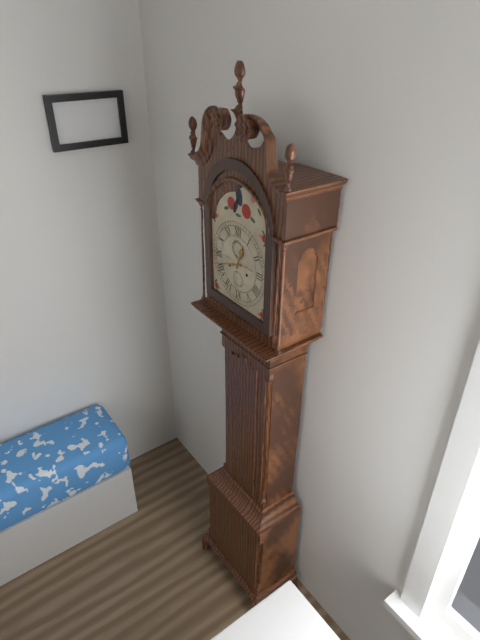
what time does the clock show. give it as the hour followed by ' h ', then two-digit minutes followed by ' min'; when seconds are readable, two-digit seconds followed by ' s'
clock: 12 h 42 min
